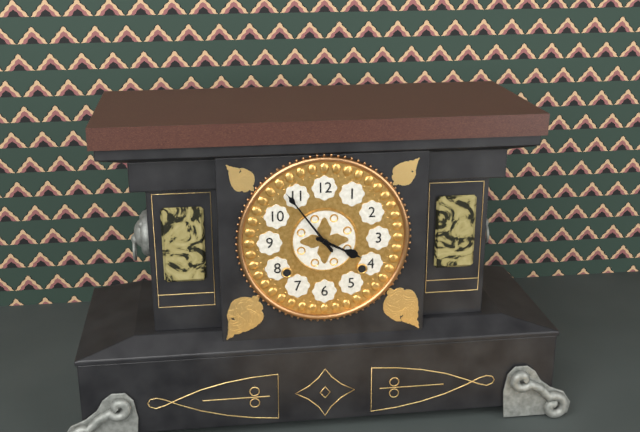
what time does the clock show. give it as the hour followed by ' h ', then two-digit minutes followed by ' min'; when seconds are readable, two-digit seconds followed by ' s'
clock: 3 h 54 min
